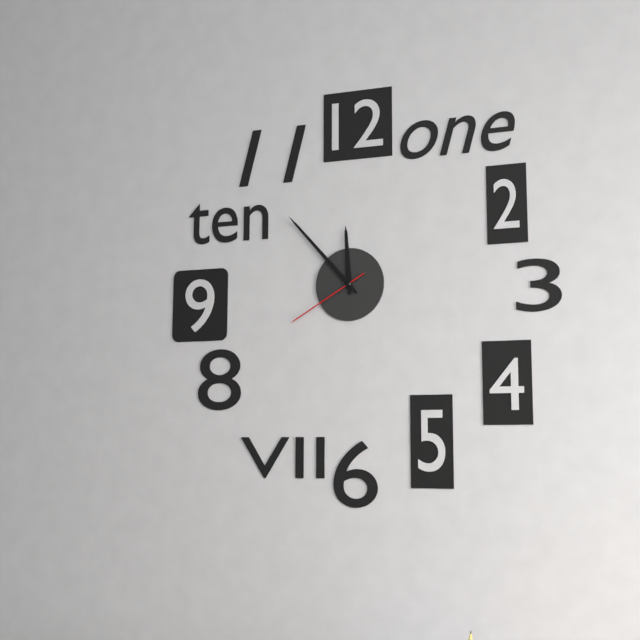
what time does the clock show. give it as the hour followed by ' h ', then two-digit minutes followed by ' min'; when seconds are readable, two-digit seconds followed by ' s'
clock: 11 h 53 min 40 s
